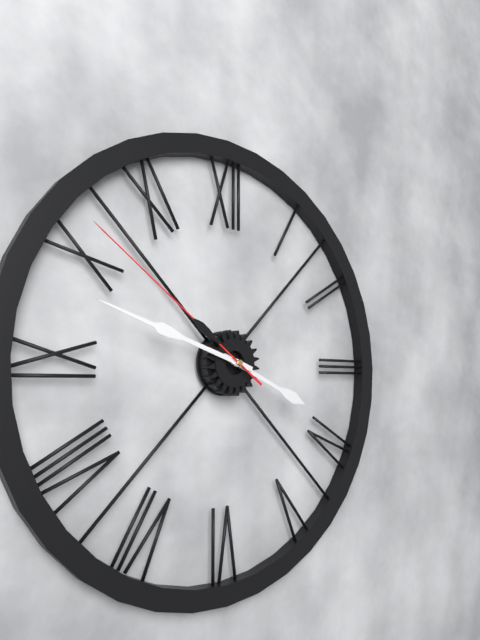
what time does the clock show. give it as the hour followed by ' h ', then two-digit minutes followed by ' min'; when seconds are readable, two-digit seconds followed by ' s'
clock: 3 h 48 min 51 s
